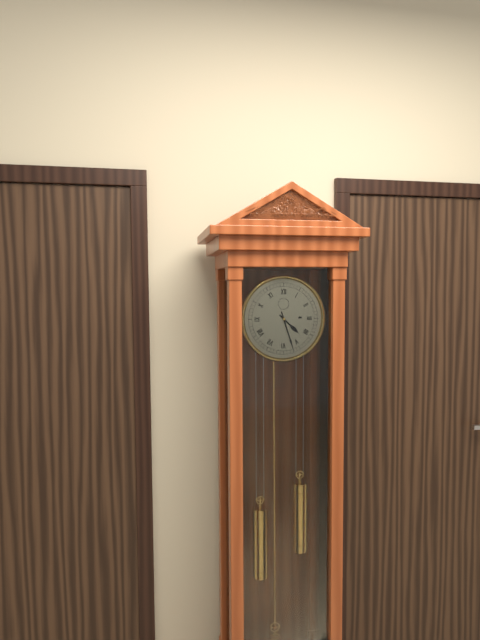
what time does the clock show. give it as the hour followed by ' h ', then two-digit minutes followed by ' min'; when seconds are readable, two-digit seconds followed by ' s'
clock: 4 h 27 min
